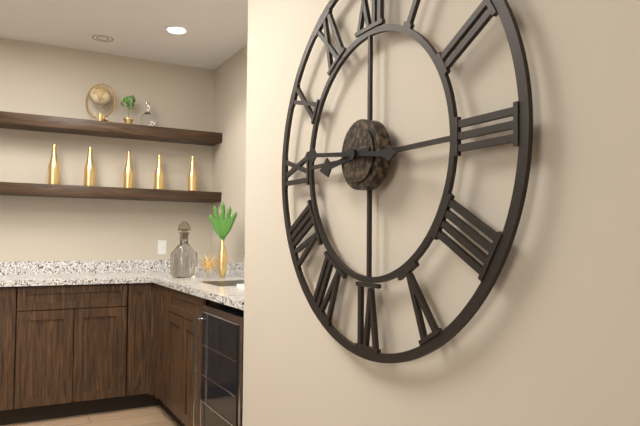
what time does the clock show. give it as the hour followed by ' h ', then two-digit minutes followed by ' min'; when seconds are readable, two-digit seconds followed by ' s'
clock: 8 h 46 min
